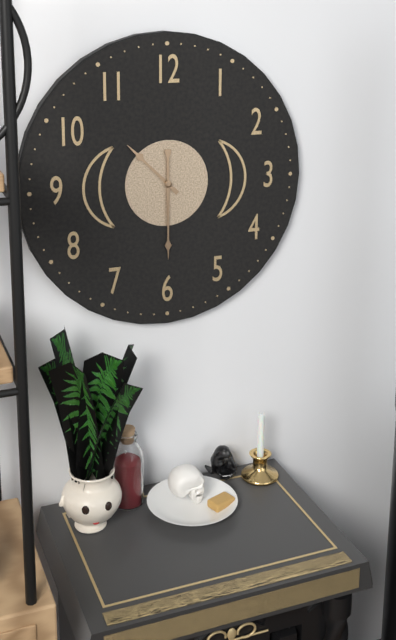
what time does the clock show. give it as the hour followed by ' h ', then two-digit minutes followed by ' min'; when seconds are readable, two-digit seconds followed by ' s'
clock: 10 h 30 min
